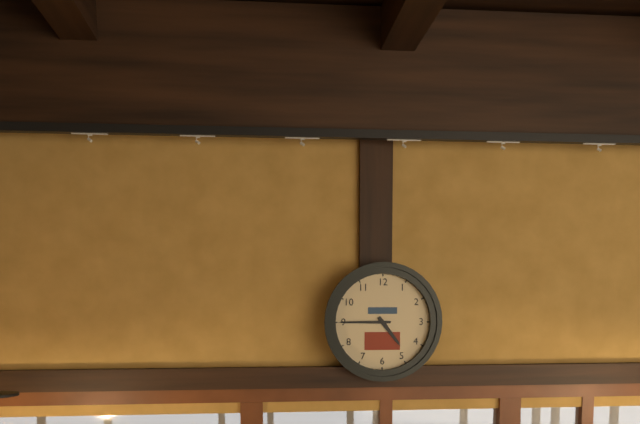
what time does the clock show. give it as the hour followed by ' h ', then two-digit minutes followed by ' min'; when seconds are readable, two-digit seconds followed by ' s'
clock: 4 h 45 min
